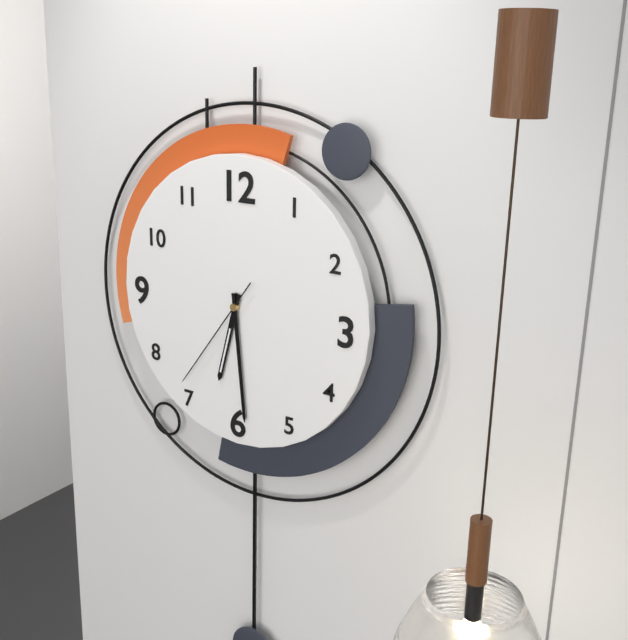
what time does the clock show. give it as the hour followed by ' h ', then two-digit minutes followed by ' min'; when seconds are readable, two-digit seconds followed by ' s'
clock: 6 h 29 min 36 s
